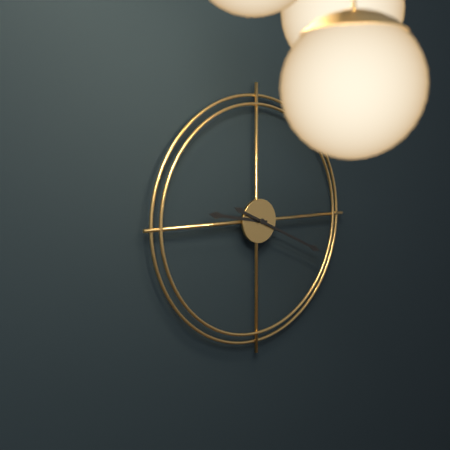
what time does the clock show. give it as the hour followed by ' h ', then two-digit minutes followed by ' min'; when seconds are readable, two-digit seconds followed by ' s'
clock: 9 h 19 min
